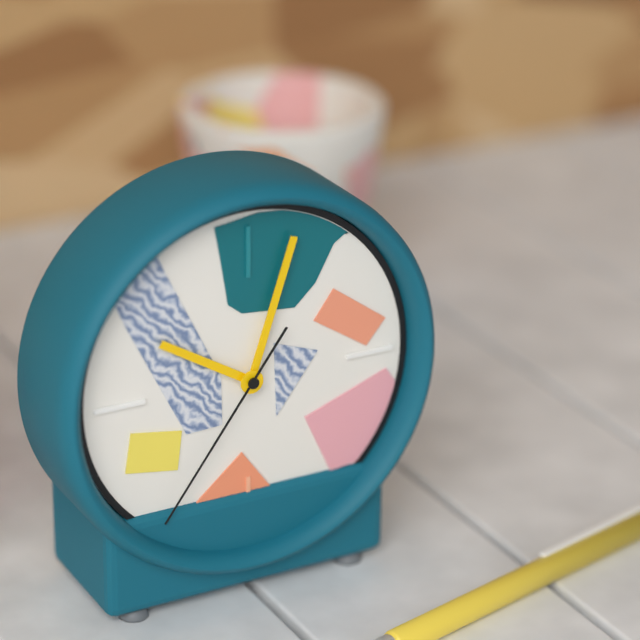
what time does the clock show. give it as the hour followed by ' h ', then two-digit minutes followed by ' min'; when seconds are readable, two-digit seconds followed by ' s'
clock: 10 h 03 min 36 s
